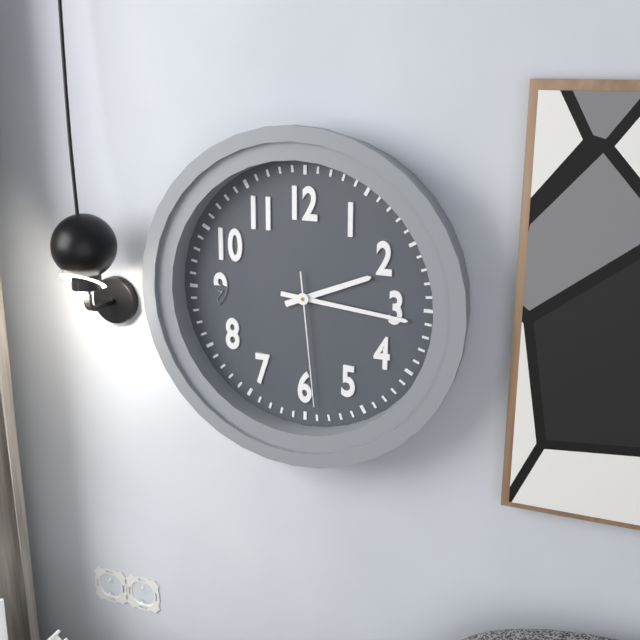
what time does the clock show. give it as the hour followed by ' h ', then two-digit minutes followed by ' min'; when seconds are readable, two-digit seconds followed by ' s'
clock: 2 h 16 min 29 s
